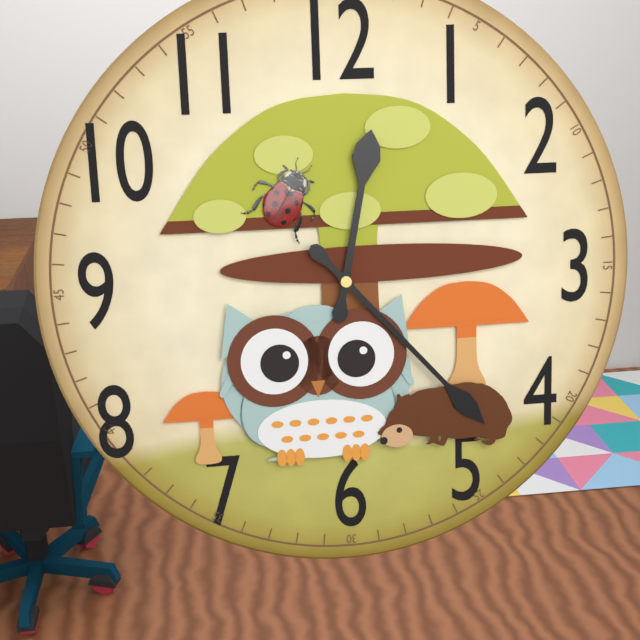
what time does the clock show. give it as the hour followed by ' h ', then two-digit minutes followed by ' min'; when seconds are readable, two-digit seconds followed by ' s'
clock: 12 h 23 min
